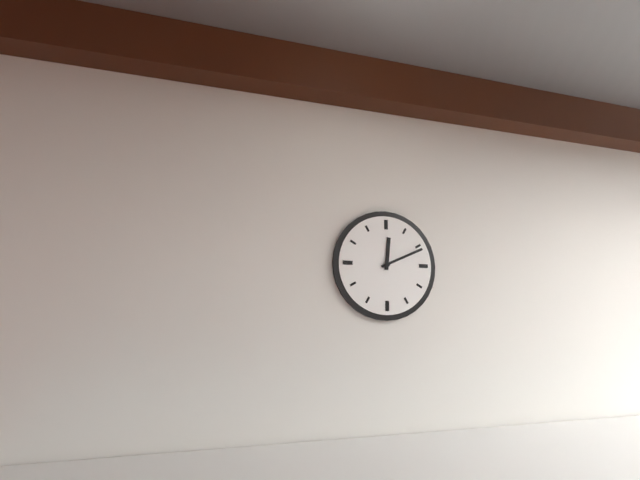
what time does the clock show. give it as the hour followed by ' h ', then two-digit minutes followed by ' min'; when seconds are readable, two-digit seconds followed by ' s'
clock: 12 h 11 min
